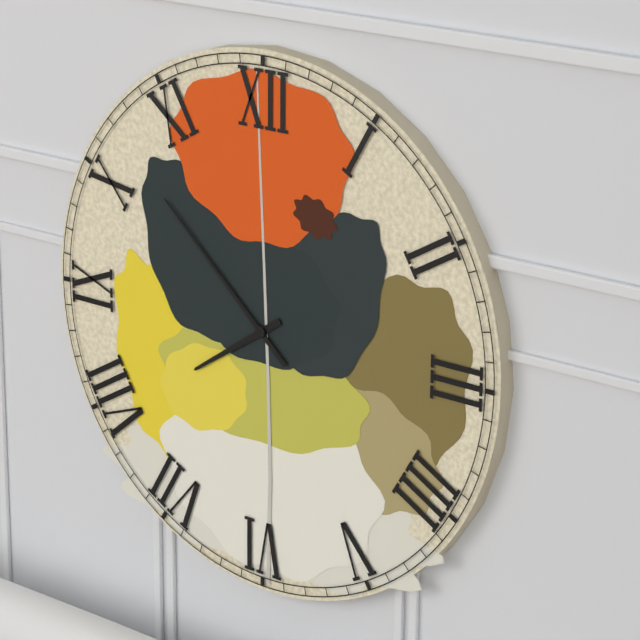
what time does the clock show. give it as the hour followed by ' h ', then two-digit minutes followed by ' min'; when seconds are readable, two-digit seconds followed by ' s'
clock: 7 h 52 min
